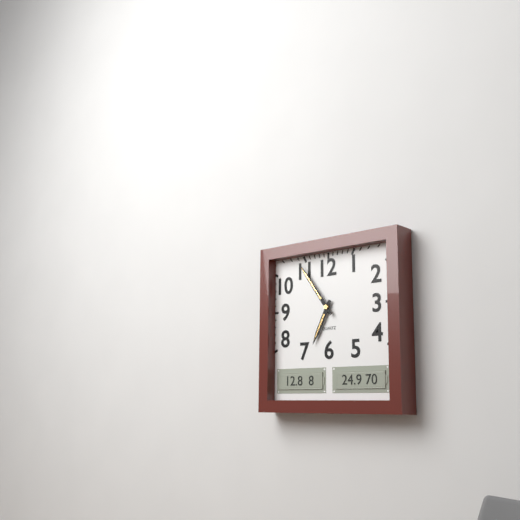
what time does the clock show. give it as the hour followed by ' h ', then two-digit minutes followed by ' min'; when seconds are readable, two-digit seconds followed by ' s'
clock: 6 h 54 min
